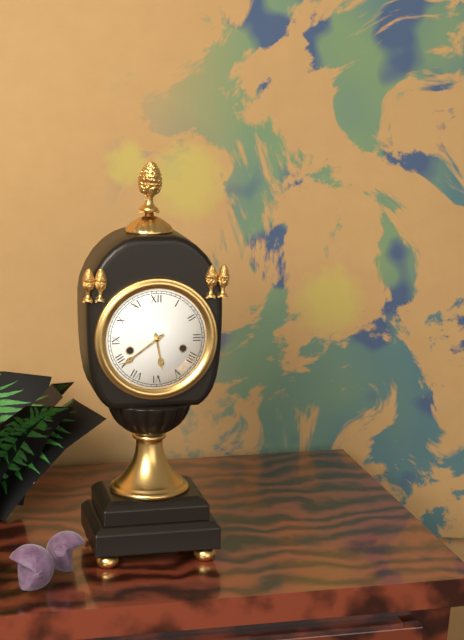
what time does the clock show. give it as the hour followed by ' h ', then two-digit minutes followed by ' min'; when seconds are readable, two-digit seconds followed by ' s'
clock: 5 h 39 min
